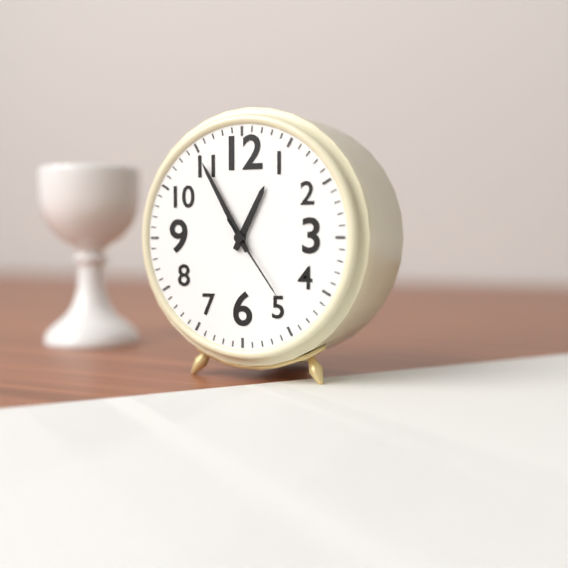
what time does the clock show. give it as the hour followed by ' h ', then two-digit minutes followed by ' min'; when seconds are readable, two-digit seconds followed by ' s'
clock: 12 h 55 min 24 s
